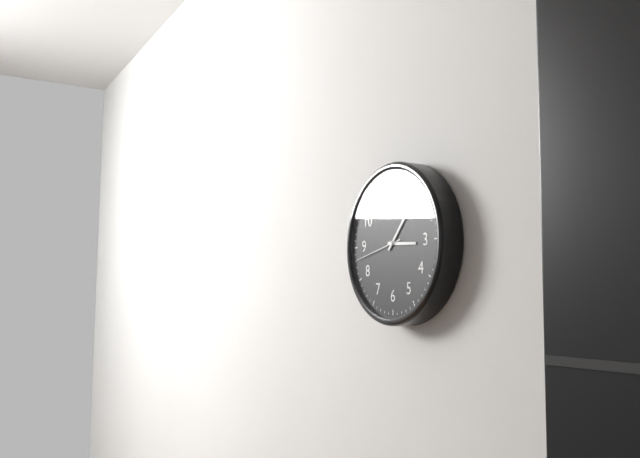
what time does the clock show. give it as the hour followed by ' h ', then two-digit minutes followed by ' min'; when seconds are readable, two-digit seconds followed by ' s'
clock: 3 h 07 min
